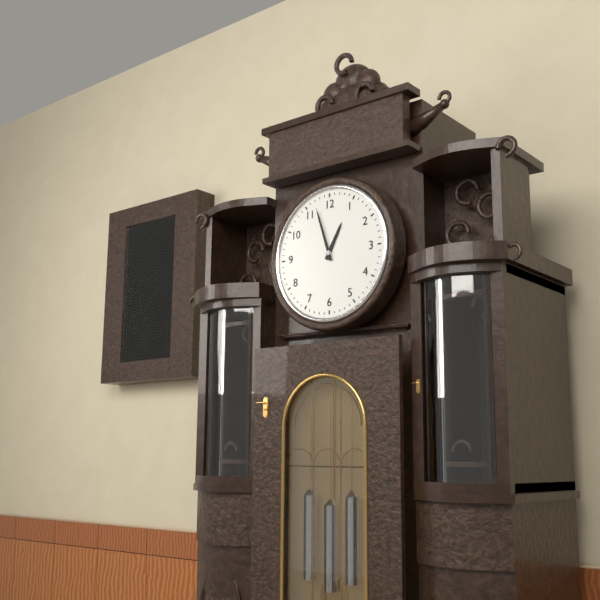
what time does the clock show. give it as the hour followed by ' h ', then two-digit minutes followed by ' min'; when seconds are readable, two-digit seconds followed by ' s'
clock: 12 h 57 min
